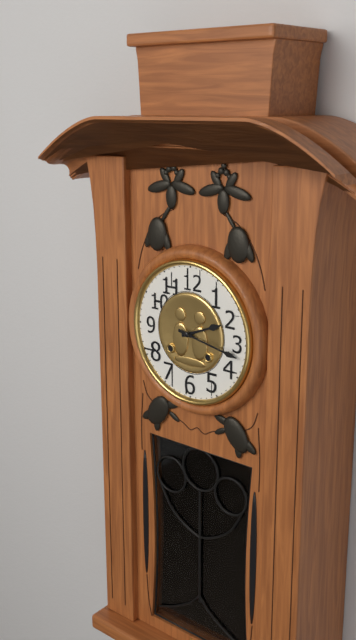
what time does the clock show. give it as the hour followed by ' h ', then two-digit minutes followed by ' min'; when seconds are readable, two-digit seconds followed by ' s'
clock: 2 h 17 min
